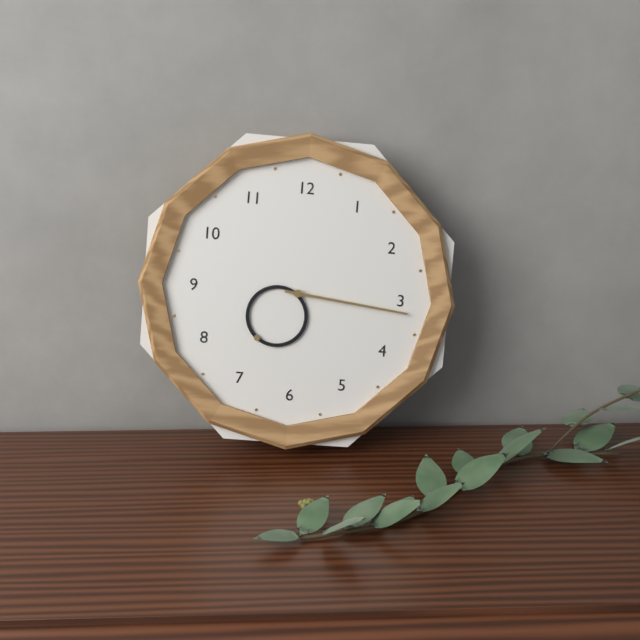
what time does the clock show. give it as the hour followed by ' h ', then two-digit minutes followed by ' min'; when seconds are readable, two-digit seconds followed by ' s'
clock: 7 h 16 min
